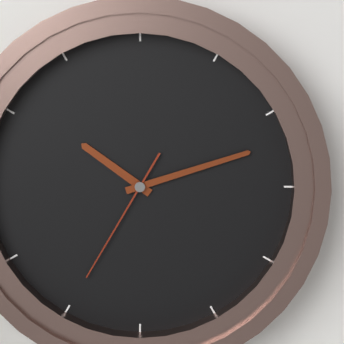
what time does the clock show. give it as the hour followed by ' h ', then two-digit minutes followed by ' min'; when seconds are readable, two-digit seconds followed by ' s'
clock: 10 h 12 min 35 s
